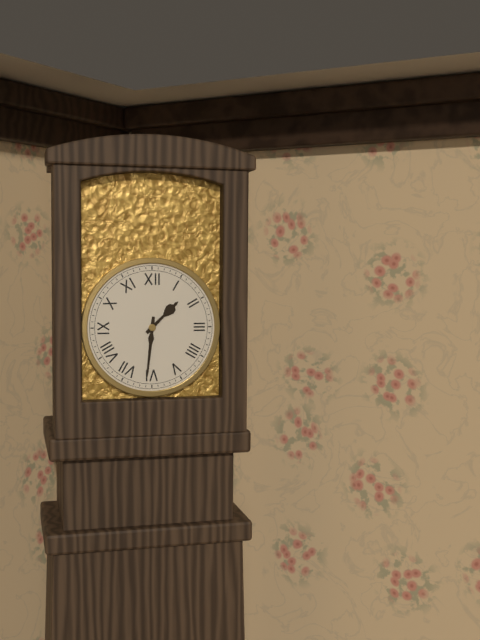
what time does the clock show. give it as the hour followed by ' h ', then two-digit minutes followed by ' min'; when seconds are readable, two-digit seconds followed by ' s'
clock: 1 h 31 min
